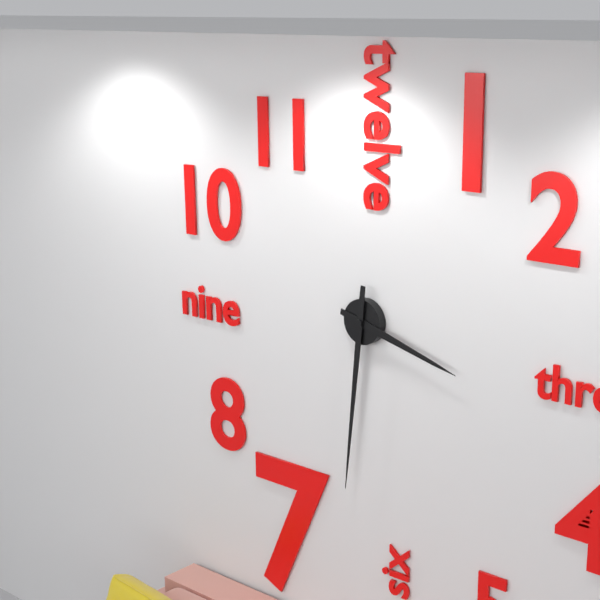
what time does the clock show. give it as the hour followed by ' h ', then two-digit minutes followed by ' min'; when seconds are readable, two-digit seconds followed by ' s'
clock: 3 h 31 min
